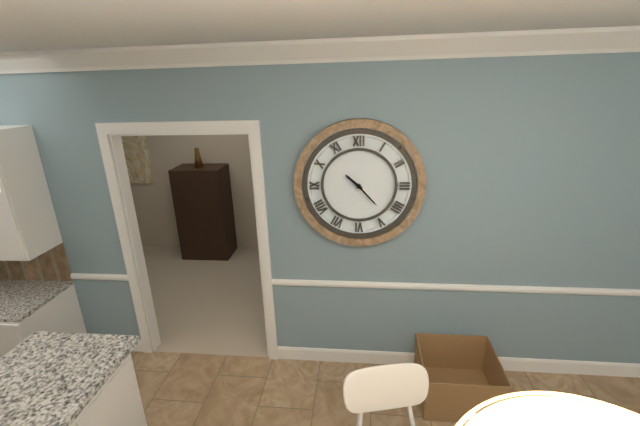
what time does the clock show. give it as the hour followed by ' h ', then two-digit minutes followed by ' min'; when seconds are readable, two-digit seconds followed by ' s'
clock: 10 h 23 min
